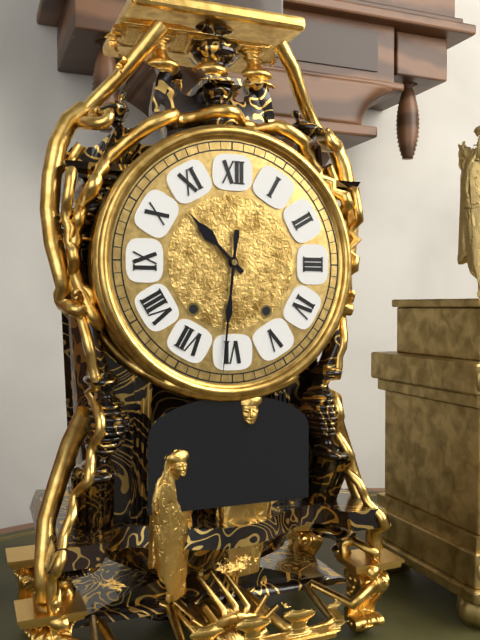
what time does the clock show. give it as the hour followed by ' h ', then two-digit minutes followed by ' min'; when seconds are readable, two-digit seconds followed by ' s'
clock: 10 h 31 min
